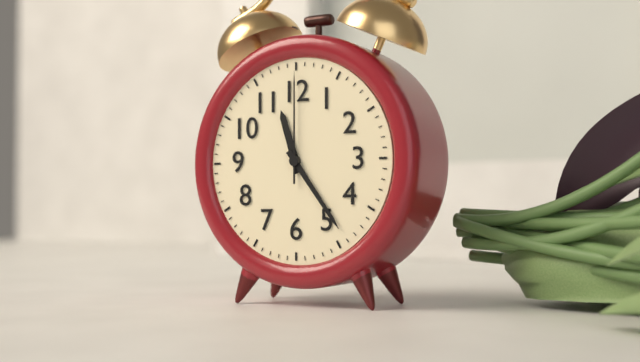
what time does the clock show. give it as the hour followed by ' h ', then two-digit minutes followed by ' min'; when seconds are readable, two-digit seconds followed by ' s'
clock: 11 h 24 min 00 s
